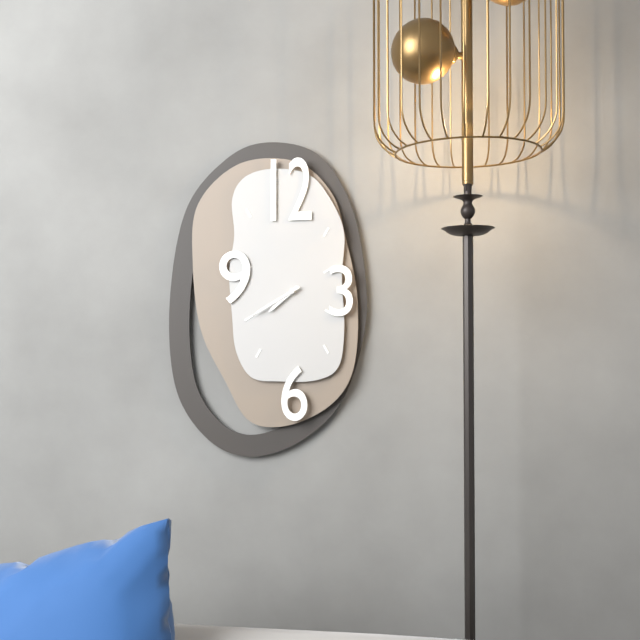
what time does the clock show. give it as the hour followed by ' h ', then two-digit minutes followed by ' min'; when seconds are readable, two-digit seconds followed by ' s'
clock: 7 h 40 min
